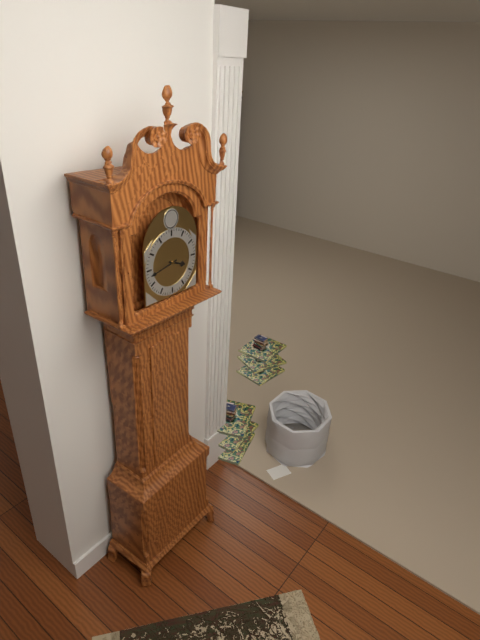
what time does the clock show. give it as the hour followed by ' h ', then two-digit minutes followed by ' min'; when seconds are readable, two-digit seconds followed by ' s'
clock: 3 h 43 min
